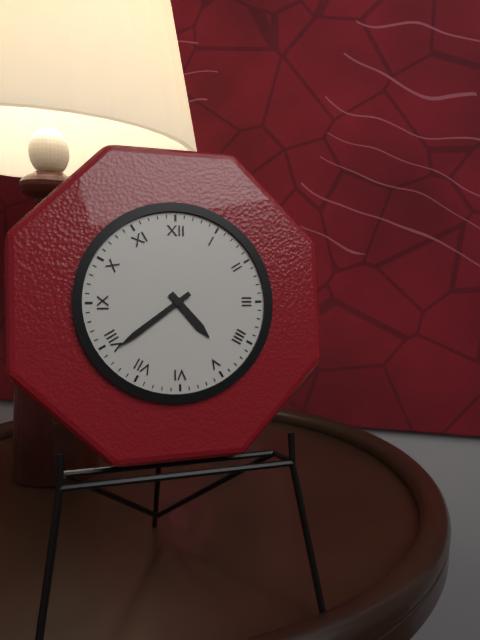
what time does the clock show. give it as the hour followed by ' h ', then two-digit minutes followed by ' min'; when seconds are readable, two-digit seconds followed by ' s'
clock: 4 h 39 min
